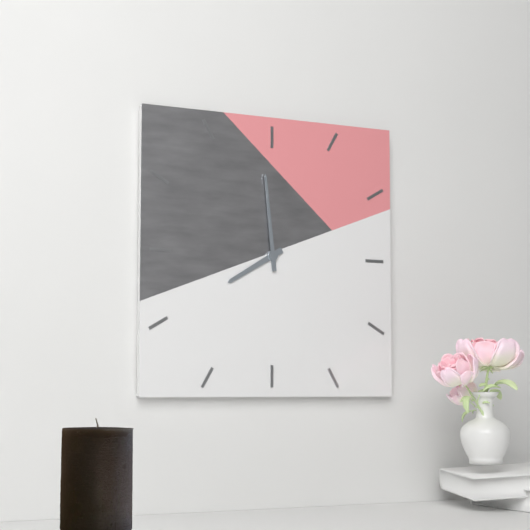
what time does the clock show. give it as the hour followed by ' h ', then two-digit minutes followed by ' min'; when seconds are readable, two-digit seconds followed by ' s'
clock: 7 h 59 min
